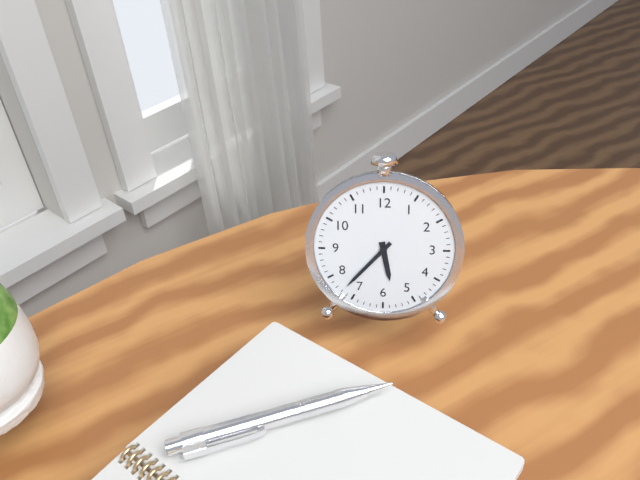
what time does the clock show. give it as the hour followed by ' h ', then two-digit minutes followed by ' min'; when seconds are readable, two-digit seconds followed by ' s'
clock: 5 h 37 min
